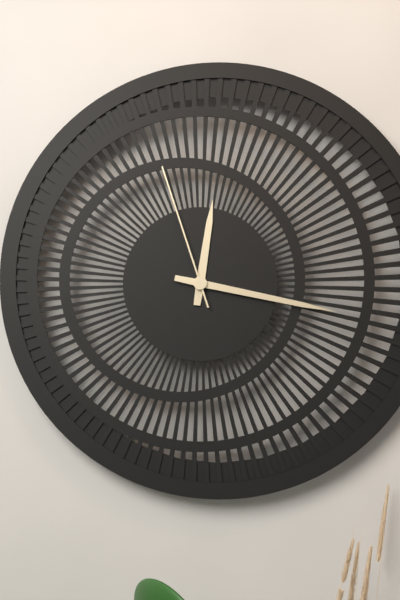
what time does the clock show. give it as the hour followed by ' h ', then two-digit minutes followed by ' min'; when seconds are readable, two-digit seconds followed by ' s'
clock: 12 h 17 min 57 s
